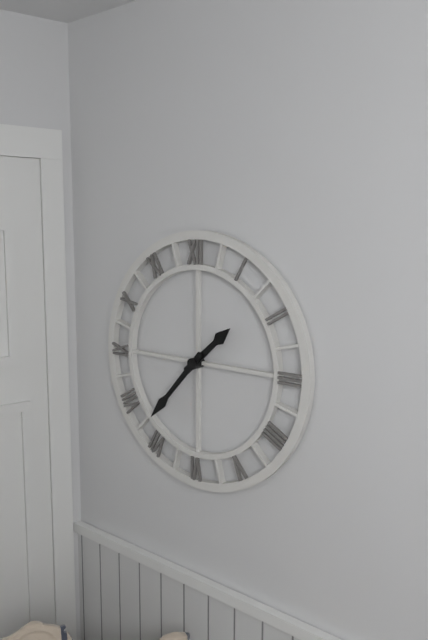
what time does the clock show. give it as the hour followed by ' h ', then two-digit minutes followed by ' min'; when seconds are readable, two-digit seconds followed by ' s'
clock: 1 h 37 min
